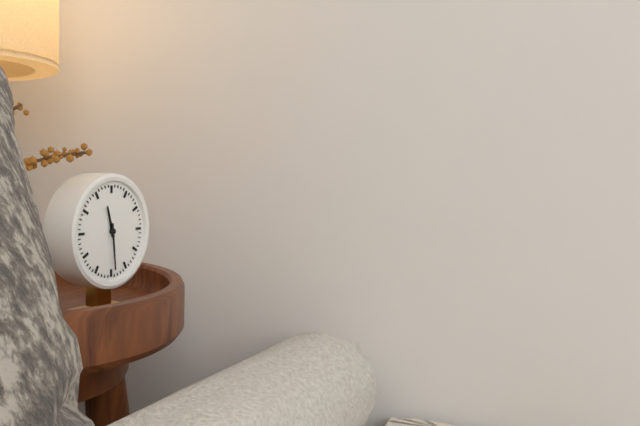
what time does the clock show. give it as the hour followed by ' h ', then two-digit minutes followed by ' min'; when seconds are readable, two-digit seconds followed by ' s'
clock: 11 h 29 min
